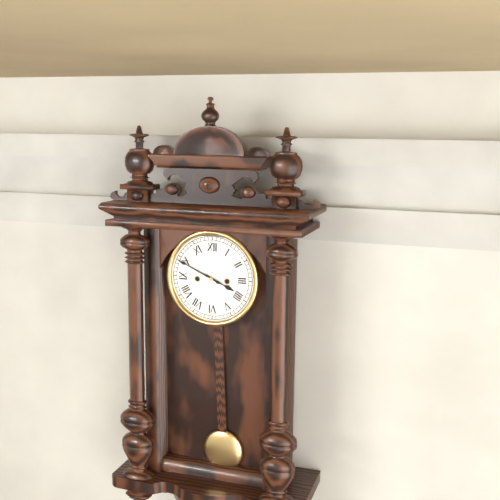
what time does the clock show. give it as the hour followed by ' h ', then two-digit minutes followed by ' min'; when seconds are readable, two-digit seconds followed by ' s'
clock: 3 h 49 min
